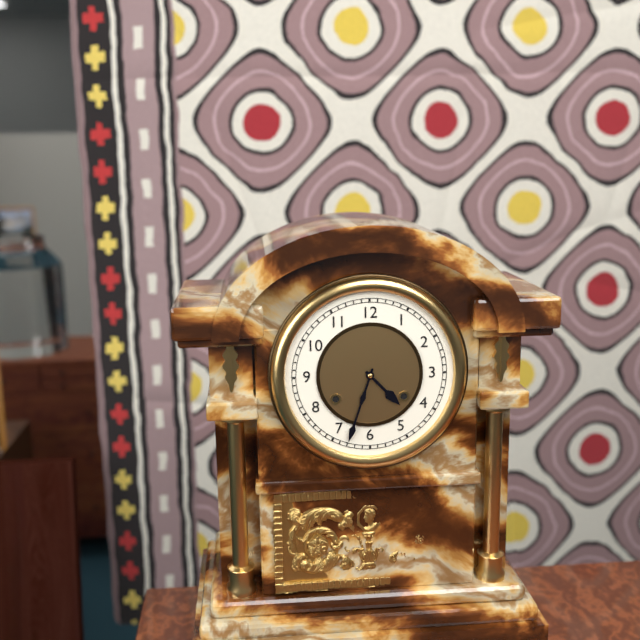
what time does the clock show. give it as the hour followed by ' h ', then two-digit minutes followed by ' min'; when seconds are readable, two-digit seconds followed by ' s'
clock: 4 h 33 min
